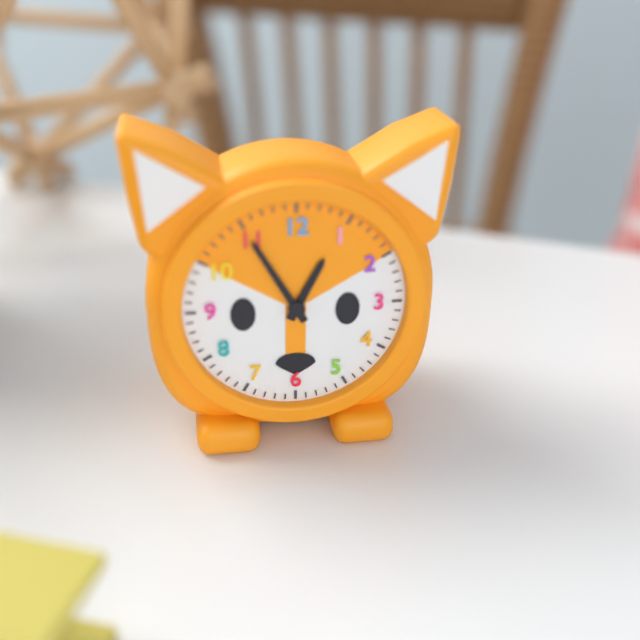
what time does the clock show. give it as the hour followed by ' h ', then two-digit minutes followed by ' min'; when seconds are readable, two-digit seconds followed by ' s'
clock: 12 h 55 min
